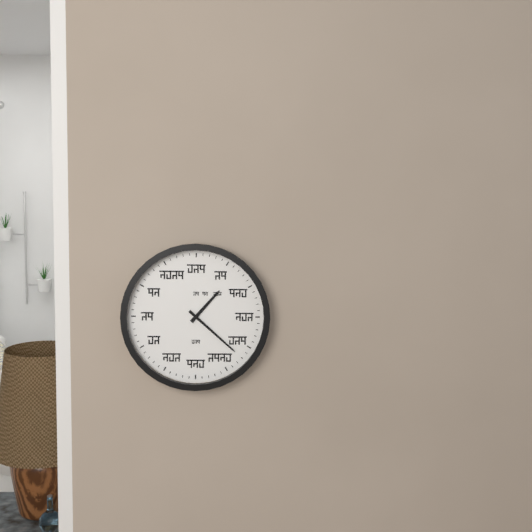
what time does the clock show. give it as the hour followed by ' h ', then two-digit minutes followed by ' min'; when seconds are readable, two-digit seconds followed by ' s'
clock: 1 h 22 min
